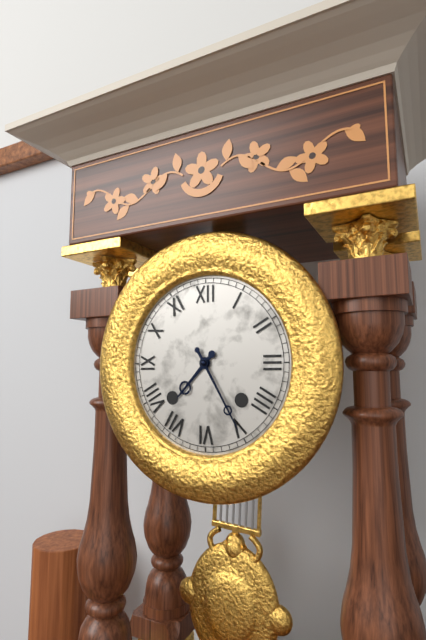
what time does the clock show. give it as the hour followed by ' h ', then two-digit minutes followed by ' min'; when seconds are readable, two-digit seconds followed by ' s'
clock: 7 h 25 min
